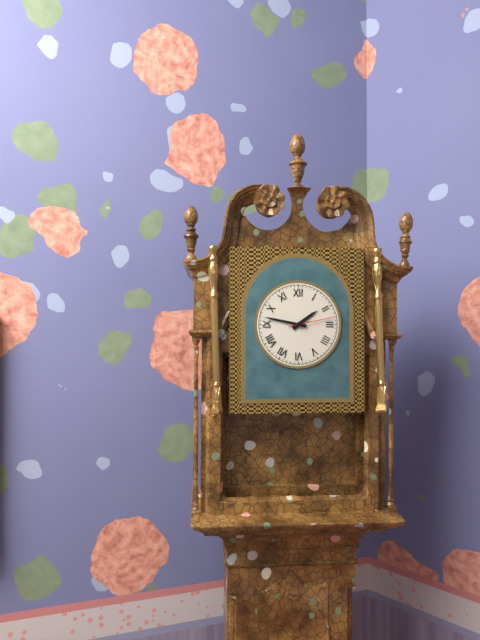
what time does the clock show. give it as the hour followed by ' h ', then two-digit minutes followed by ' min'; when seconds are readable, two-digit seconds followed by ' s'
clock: 1 h 47 min
